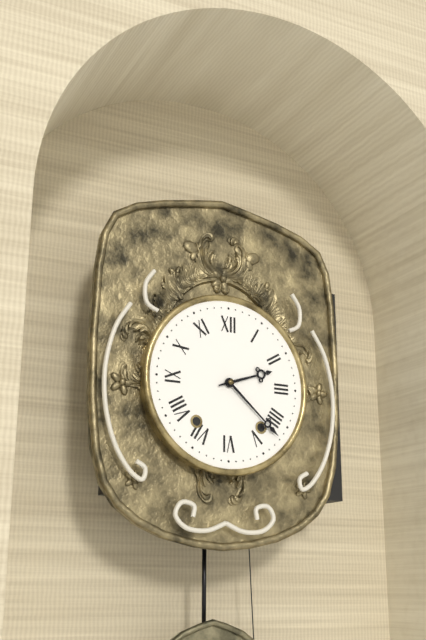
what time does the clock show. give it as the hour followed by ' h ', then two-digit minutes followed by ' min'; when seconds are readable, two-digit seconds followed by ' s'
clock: 2 h 22 min
